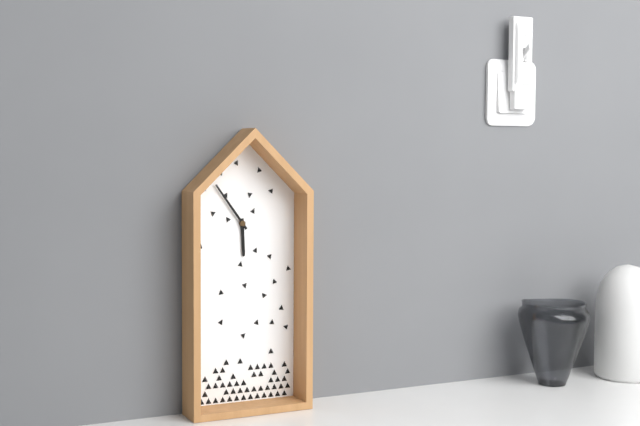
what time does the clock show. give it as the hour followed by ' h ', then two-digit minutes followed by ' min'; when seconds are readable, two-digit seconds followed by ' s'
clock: 5 h 54 min
